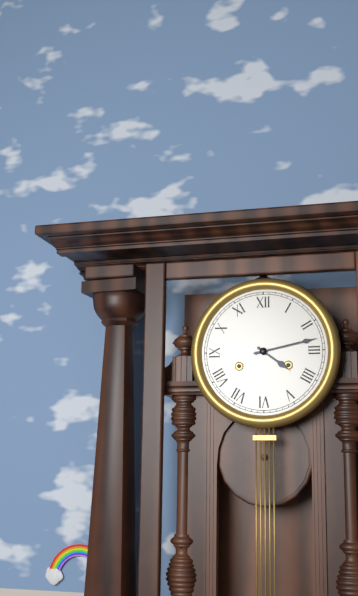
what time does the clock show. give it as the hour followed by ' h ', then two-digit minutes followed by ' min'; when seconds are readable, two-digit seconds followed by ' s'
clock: 4 h 13 min
